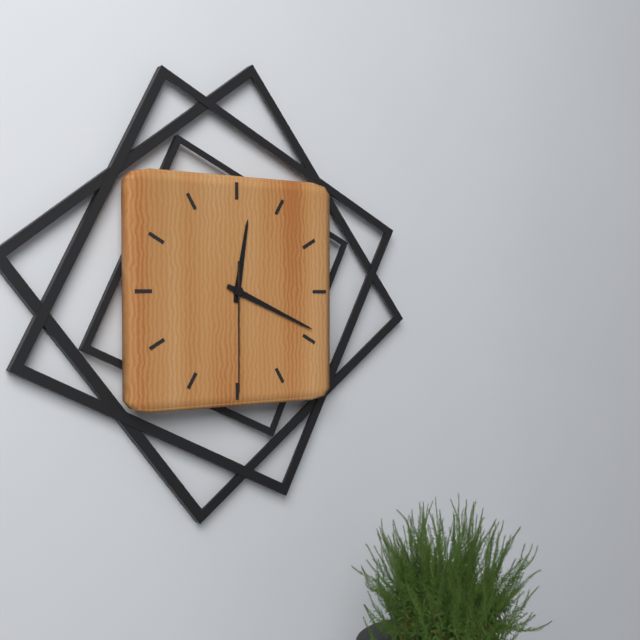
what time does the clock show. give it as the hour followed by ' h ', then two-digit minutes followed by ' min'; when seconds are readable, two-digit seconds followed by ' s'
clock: 12 h 19 min 30 s
